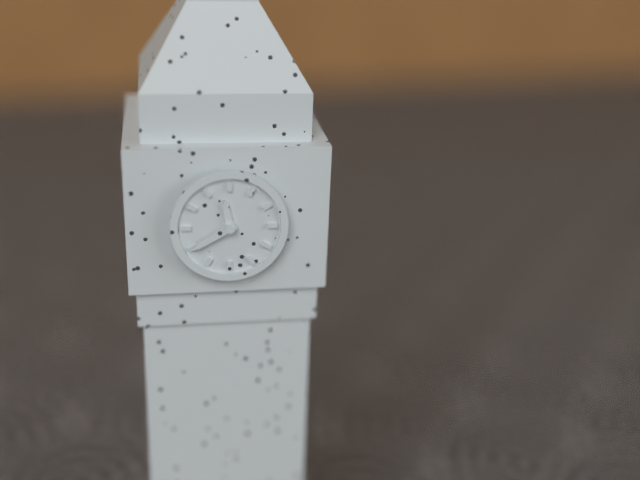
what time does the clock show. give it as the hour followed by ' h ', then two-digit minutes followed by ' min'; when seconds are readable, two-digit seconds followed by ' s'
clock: 11 h 40 min
